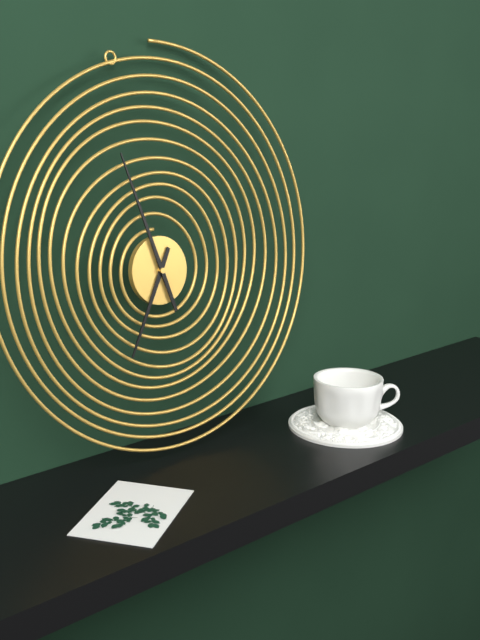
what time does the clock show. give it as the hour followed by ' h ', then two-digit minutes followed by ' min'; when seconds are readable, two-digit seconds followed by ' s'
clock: 6 h 57 min
